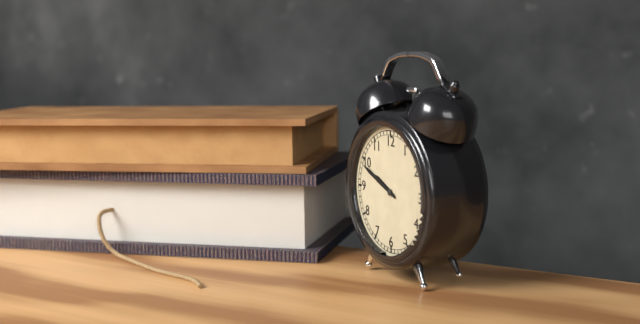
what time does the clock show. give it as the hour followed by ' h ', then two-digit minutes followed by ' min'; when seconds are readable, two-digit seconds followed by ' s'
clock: 9 h 49 min
